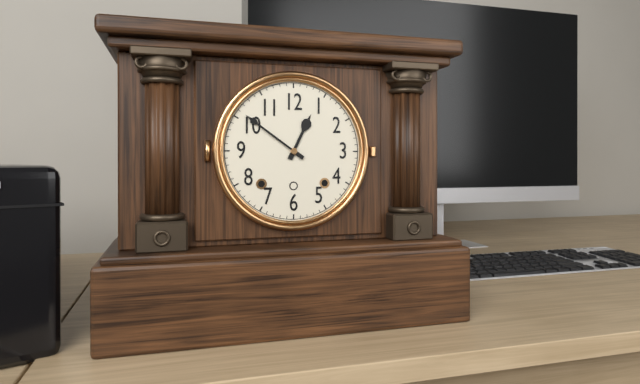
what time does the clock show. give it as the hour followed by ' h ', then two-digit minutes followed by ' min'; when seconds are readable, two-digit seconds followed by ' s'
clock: 12 h 51 min
